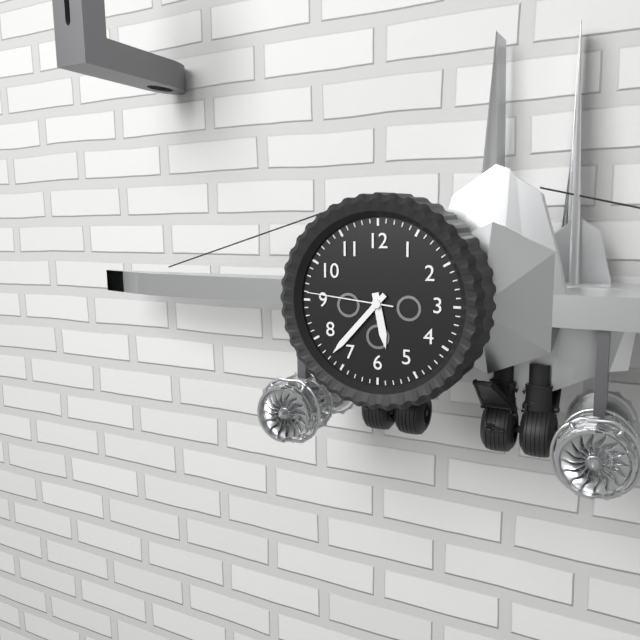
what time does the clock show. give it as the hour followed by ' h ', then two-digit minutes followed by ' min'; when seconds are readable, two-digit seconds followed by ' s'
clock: 5 h 37 min 46 s
